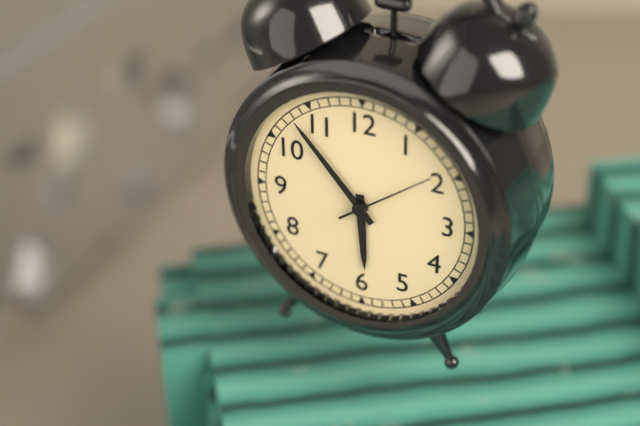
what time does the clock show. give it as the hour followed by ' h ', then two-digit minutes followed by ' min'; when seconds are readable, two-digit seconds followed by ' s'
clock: 5 h 53 min 09 s
